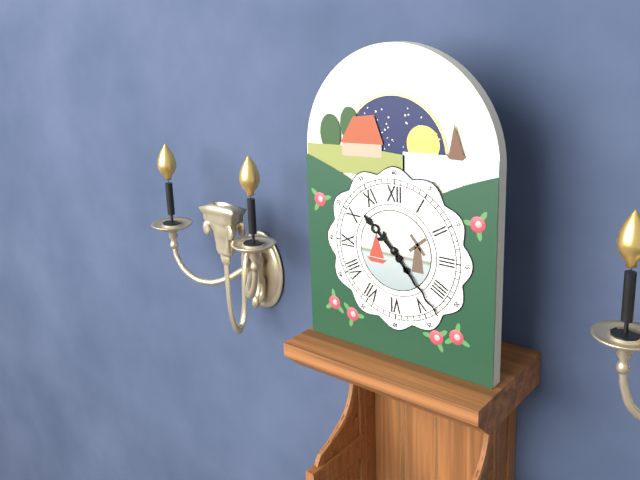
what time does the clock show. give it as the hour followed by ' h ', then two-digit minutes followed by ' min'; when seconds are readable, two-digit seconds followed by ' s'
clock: 10 h 23 min
